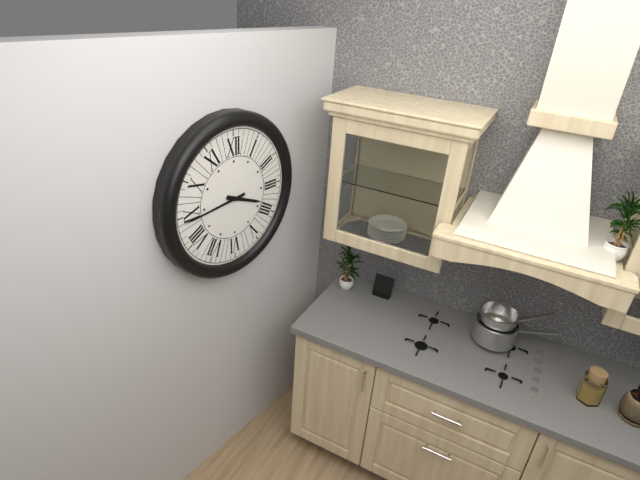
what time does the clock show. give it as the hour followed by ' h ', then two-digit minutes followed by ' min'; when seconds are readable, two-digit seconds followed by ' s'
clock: 3 h 44 min
